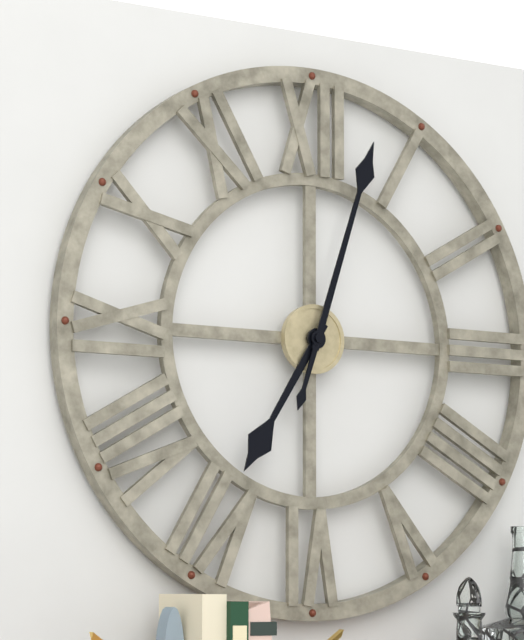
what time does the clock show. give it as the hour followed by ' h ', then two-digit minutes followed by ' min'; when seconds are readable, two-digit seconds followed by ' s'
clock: 7 h 03 min
